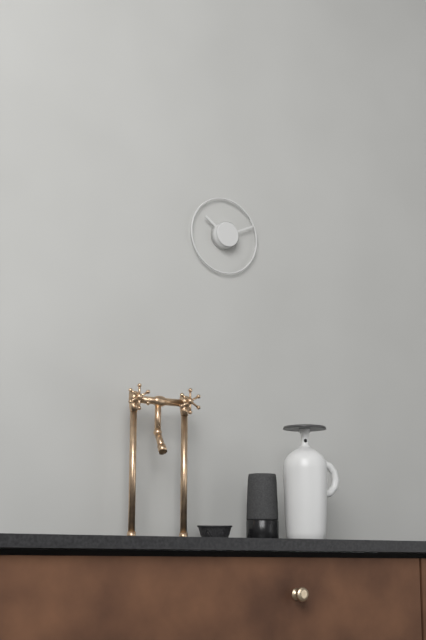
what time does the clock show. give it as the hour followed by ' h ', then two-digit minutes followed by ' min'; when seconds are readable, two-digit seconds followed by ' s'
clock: 10 h 11 min
